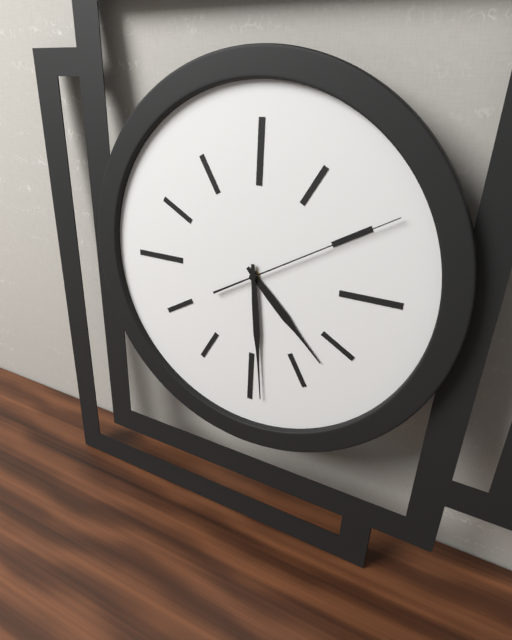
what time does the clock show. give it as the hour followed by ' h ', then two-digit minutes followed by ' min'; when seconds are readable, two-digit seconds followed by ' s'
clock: 4 h 29 min 10 s
